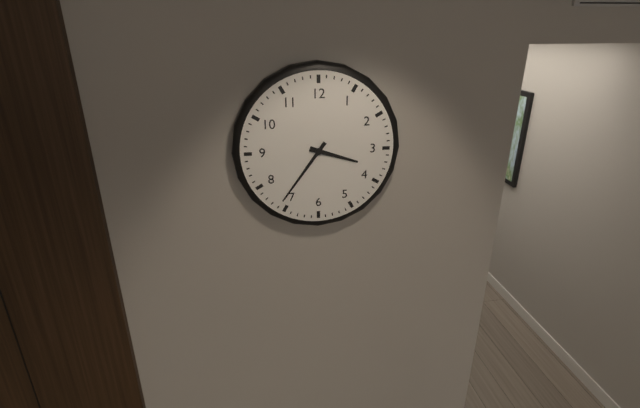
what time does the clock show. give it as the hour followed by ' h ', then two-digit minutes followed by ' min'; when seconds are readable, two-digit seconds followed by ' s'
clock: 3 h 36 min
